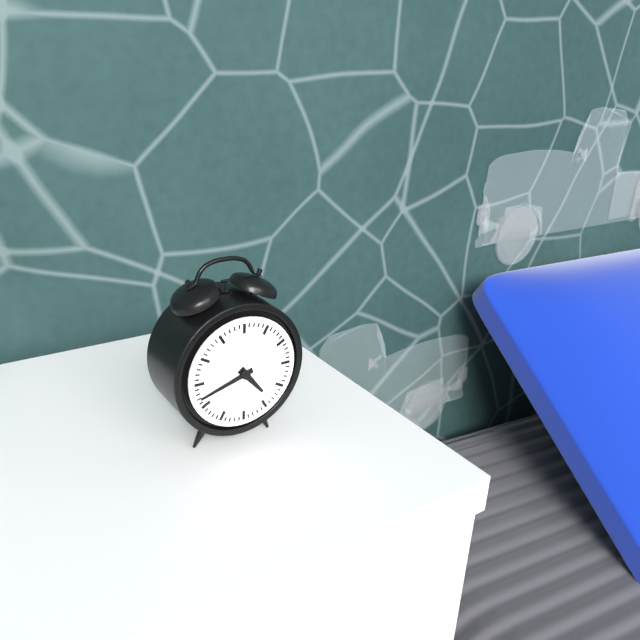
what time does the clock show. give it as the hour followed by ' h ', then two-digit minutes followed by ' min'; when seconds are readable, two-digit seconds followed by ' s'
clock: 4 h 42 min
